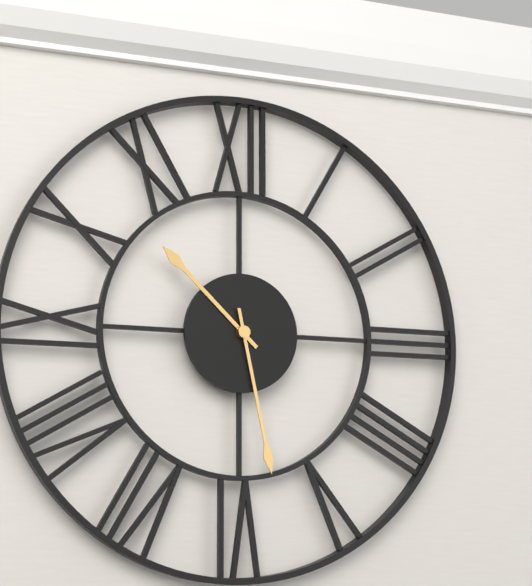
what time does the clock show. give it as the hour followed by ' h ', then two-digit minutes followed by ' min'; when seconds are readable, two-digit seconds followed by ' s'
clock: 10 h 28 min
